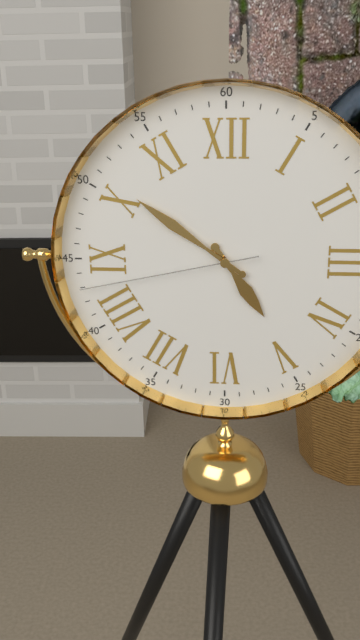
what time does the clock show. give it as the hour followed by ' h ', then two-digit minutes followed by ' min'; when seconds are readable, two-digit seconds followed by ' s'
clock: 4 h 51 min 43 s
